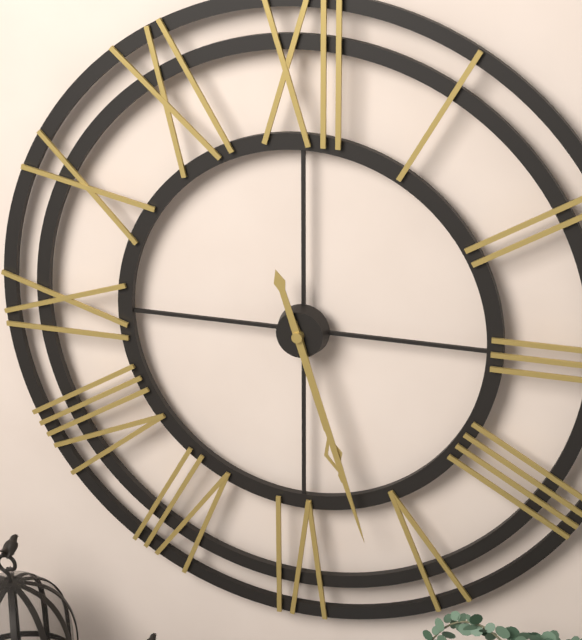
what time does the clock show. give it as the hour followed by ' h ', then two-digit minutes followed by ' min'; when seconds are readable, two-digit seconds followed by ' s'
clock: 5 h 27 min
